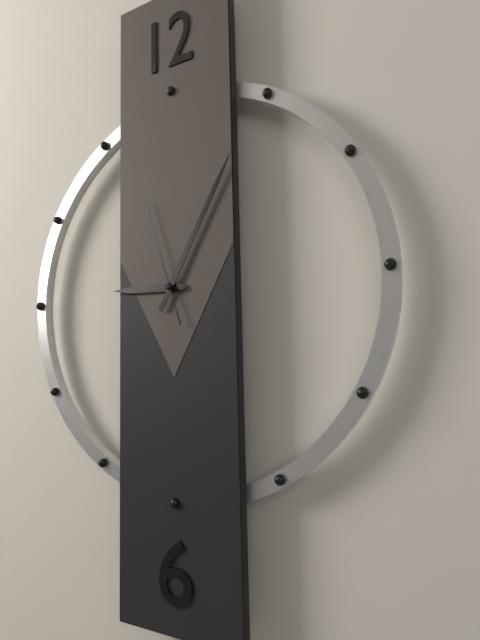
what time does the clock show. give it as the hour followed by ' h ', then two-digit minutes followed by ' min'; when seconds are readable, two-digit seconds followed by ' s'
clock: 9 h 05 min 57 s
